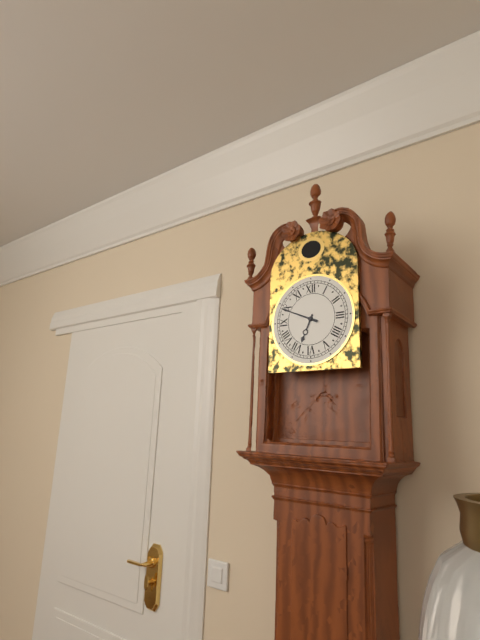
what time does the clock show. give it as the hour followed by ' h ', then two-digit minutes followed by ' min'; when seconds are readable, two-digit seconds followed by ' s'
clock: 6 h 49 min
